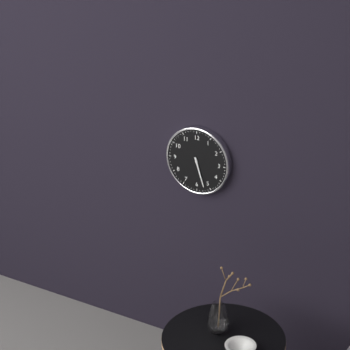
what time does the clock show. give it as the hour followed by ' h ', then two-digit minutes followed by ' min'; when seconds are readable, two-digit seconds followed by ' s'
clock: 5 h 27 min
